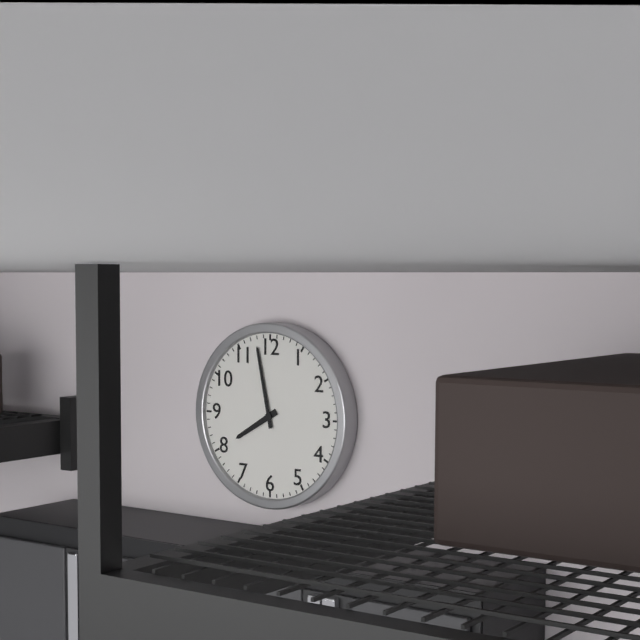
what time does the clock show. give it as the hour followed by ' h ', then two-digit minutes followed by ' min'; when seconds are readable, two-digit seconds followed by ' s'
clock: 7 h 58 min
